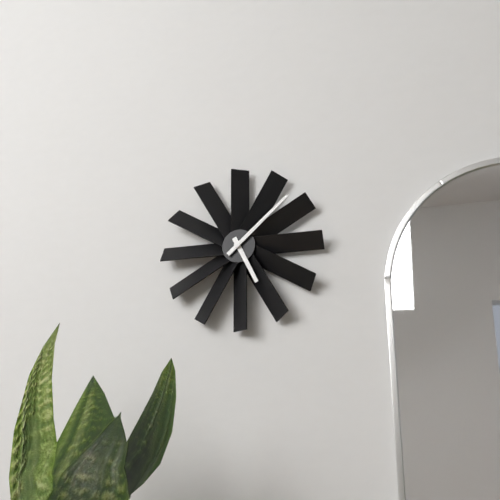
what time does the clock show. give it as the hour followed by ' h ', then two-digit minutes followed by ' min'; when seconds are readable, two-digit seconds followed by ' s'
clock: 5 h 08 min
